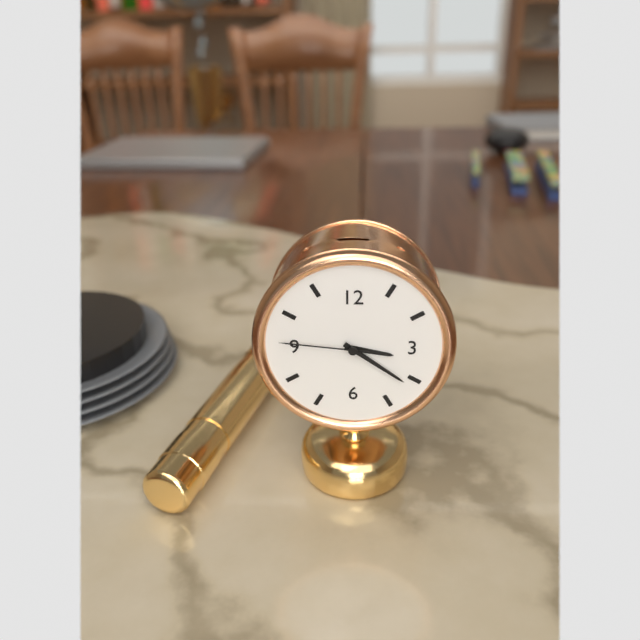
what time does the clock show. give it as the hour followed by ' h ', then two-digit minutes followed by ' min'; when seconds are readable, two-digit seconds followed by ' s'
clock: 3 h 21 min 46 s
